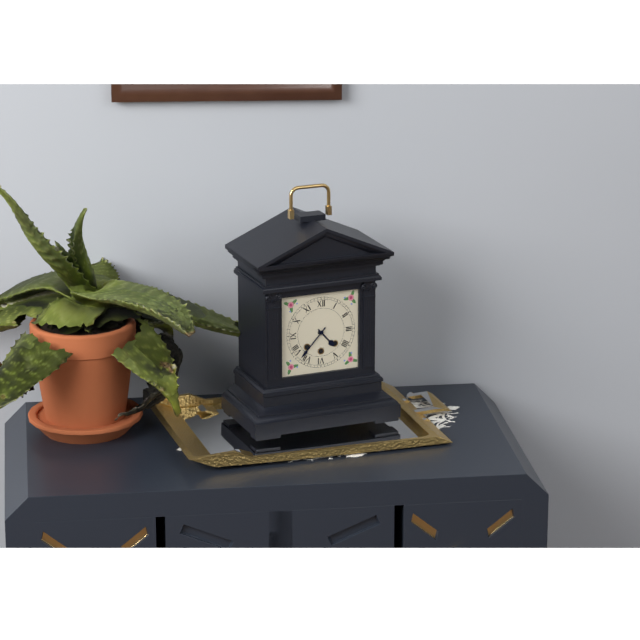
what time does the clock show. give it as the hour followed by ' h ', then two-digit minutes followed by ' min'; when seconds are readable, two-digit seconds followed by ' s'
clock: 4 h 37 min
